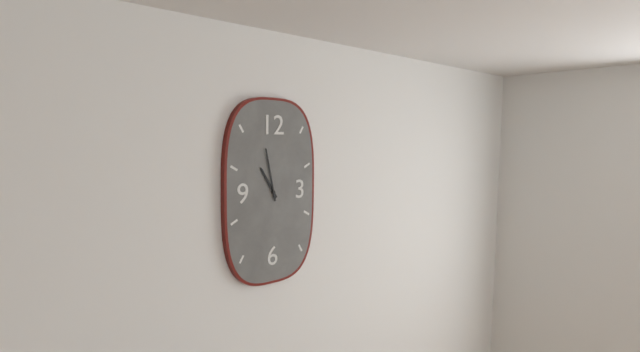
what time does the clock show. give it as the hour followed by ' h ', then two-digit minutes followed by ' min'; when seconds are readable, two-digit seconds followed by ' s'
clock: 10 h 58 min
